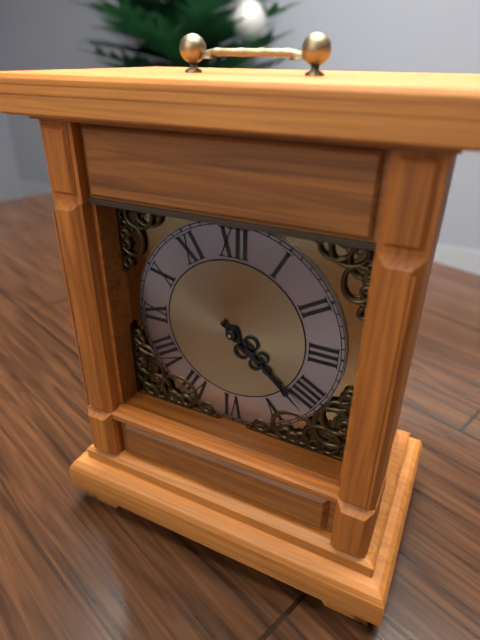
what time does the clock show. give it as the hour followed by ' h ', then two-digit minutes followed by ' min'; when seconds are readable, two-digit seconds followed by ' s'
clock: 4 h 22 min
